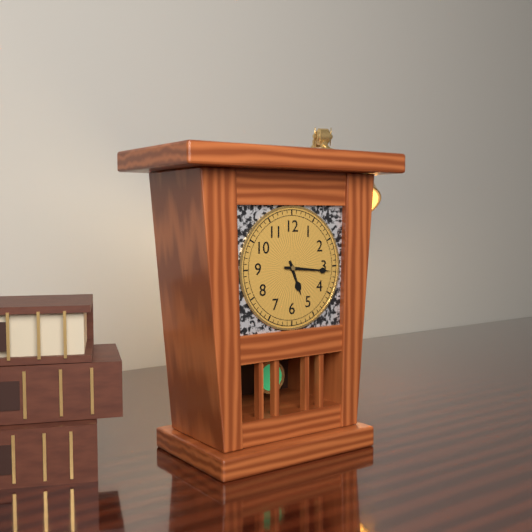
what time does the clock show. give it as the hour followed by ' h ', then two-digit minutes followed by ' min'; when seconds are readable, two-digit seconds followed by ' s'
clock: 5 h 16 min
